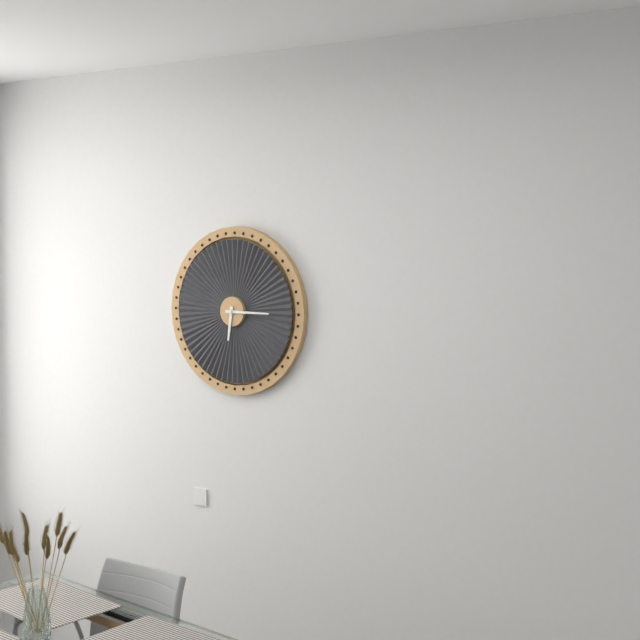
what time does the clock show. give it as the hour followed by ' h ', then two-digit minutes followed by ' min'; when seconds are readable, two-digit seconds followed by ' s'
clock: 6 h 15 min
